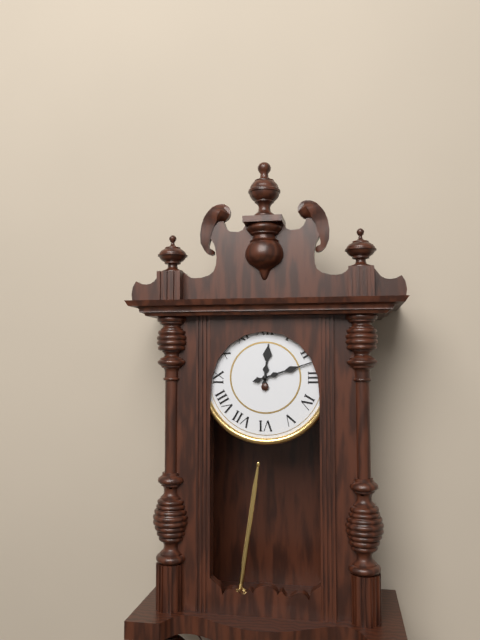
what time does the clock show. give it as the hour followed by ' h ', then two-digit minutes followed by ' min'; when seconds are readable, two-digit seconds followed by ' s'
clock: 12 h 12 min
